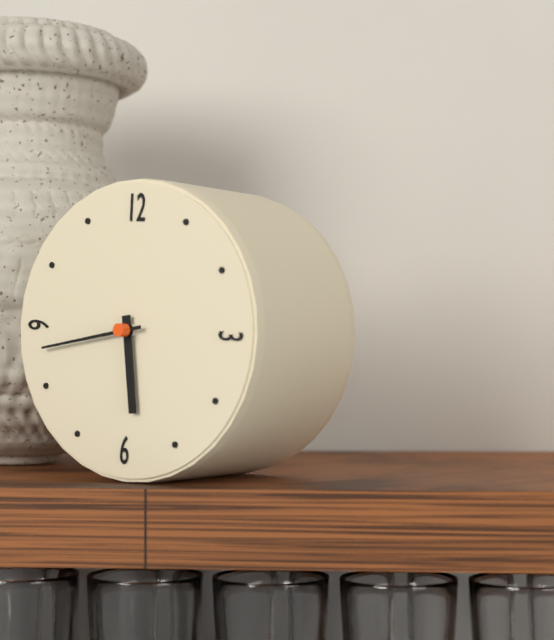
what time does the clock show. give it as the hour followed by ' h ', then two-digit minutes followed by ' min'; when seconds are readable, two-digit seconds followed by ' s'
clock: 5 h 43 min
